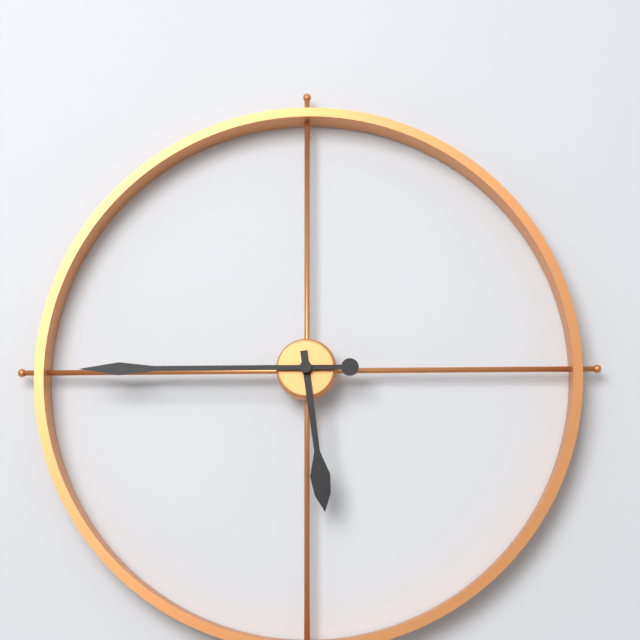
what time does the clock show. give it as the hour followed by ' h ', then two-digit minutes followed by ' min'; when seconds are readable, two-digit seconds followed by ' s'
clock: 5 h 45 min
